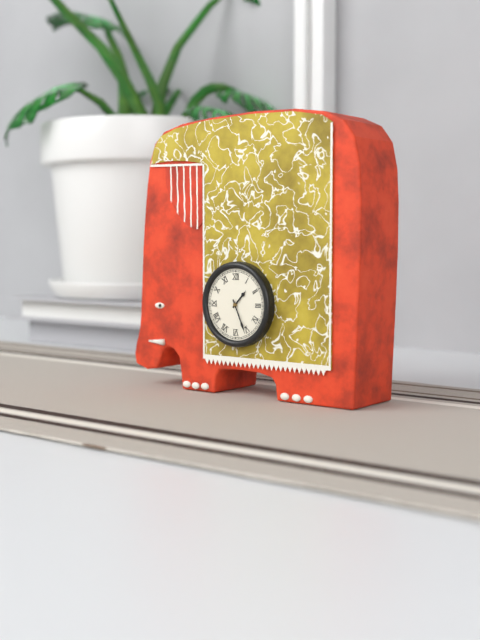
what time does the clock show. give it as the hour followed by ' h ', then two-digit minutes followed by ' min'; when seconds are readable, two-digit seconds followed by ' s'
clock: 1 h 26 min
